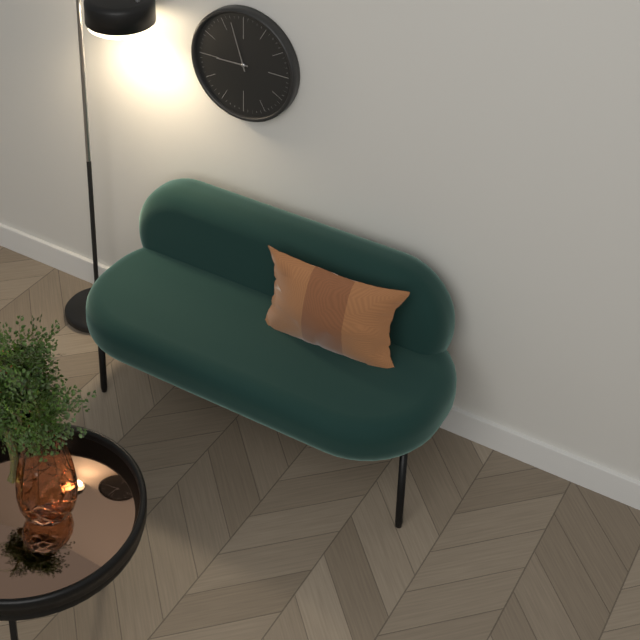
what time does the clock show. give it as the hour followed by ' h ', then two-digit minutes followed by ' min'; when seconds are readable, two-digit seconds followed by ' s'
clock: 8 h 57 min
